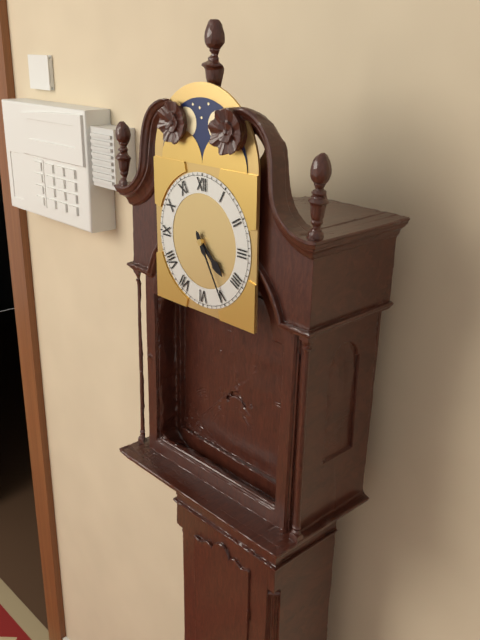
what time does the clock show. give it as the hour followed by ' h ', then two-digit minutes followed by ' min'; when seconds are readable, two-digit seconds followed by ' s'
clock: 4 h 25 min
